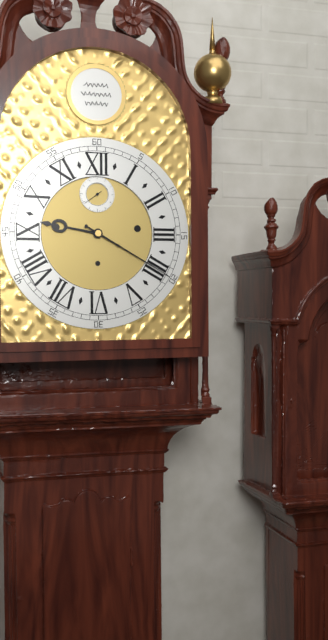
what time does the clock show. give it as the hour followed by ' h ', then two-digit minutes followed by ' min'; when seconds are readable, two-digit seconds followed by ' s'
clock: 9 h 20 min
